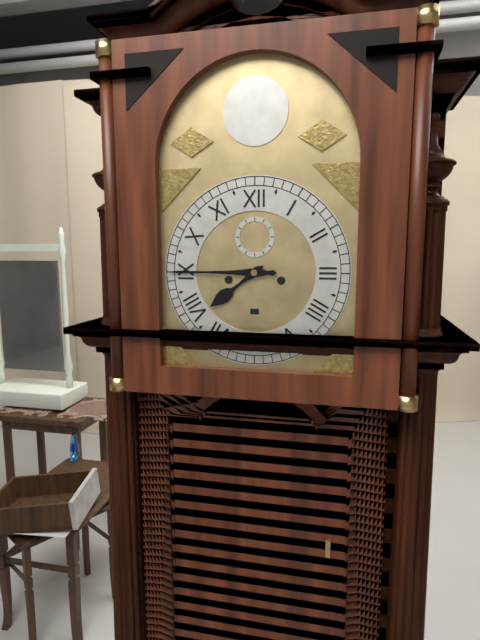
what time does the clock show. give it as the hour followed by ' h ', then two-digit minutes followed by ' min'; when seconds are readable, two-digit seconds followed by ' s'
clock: 7 h 45 min
